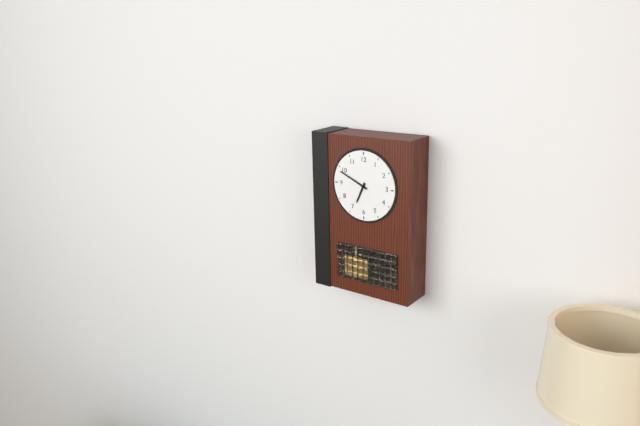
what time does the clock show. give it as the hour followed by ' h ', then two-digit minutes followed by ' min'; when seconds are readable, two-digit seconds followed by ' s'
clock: 6 h 49 min
